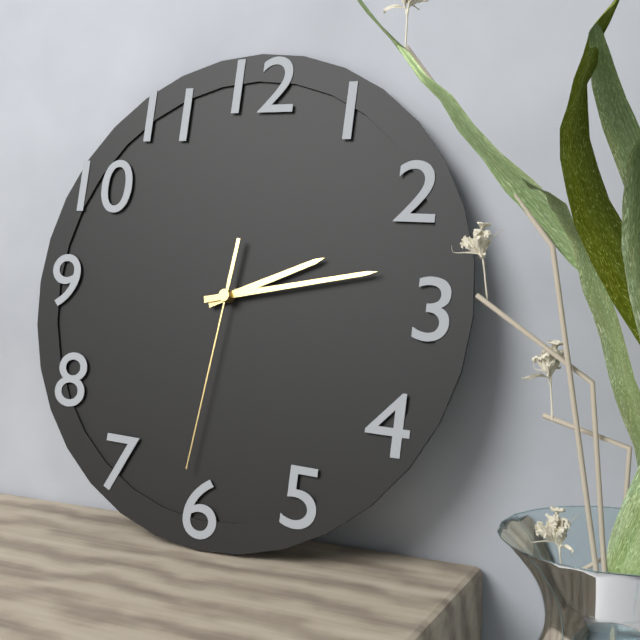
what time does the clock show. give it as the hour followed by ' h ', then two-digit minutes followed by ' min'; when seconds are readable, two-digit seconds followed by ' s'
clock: 2 h 13 min 31 s
